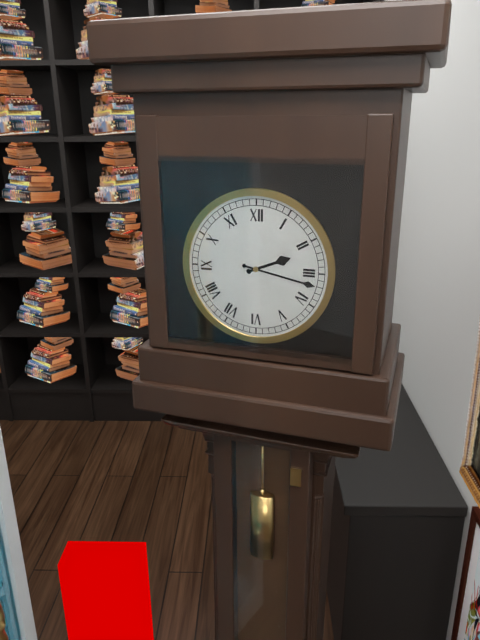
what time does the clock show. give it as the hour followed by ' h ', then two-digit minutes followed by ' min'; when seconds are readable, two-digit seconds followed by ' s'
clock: 2 h 17 min
